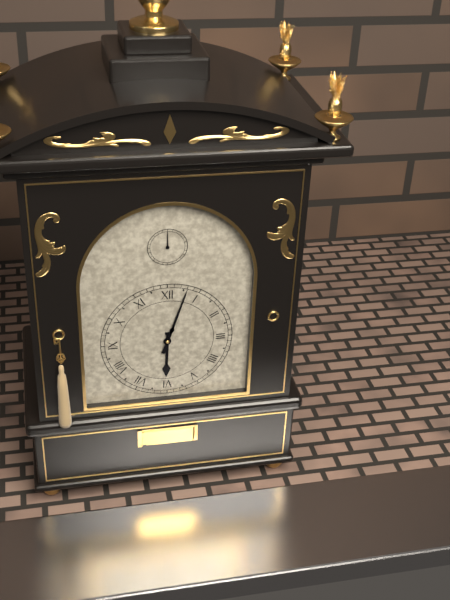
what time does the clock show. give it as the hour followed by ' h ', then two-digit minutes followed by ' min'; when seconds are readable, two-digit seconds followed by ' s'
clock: 6 h 03 min
